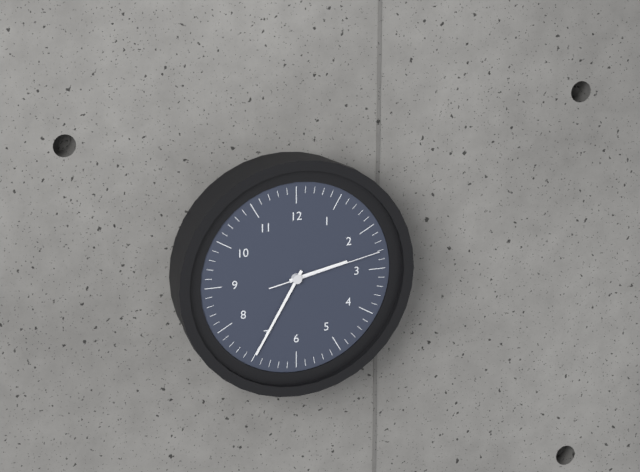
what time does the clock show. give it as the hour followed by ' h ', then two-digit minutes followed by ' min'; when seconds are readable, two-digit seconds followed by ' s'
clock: 2 h 35 min 13 s
